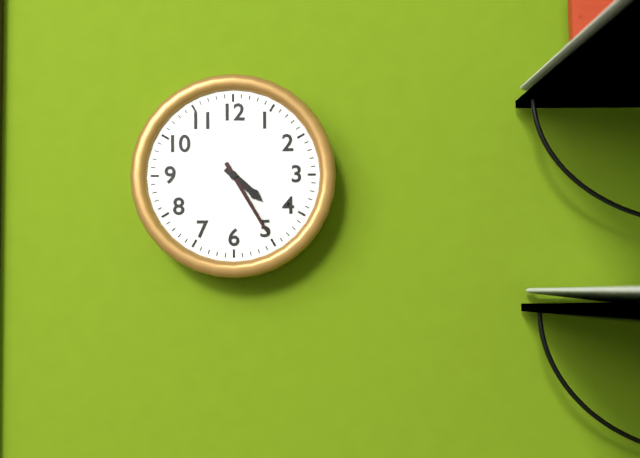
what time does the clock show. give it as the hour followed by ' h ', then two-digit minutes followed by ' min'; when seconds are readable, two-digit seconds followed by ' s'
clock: 4 h 25 min
